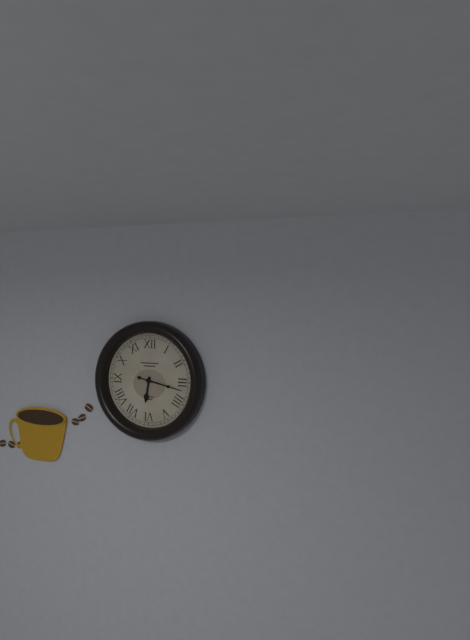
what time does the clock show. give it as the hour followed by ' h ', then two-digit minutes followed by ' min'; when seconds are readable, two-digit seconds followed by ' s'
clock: 6 h 17 min
